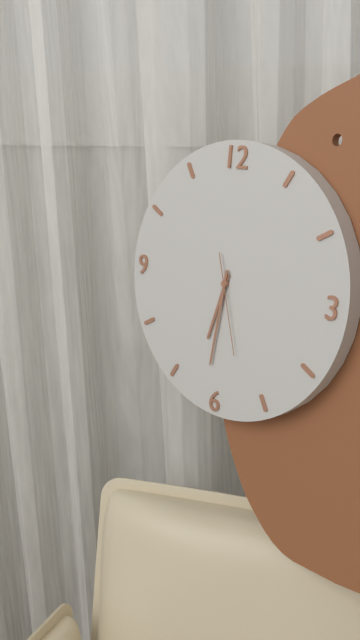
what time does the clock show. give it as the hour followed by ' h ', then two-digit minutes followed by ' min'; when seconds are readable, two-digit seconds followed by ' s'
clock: 6 h 31 min 27 s
